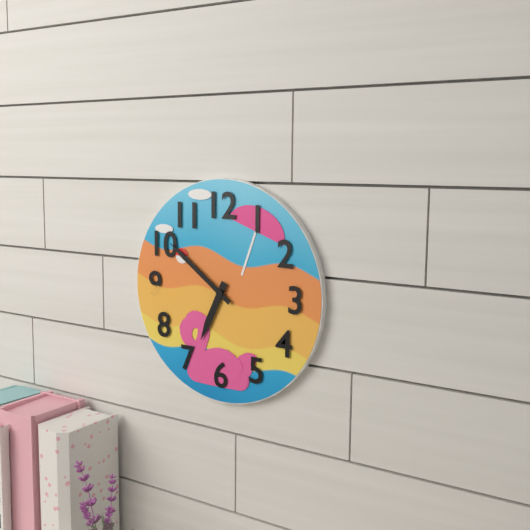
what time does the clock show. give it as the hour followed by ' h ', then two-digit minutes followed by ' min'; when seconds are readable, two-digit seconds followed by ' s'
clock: 6 h 51 min
